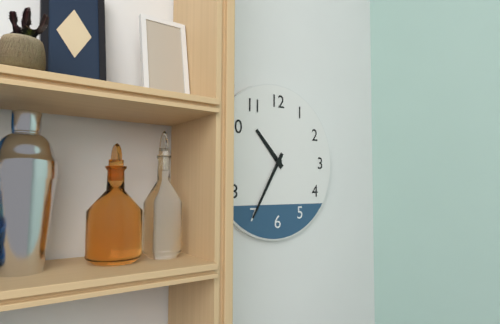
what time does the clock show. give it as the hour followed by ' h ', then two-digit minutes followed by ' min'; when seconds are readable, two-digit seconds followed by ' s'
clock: 10 h 35 min
